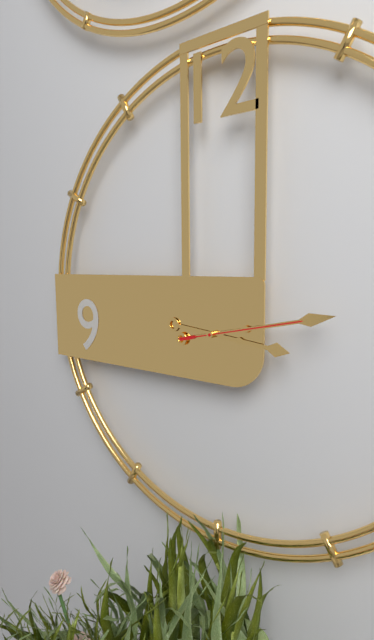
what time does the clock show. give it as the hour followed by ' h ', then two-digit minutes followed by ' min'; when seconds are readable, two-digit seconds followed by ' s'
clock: 3 h 13 min 13 s
